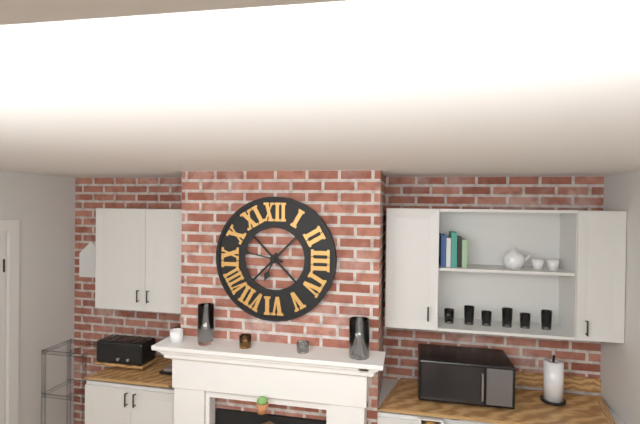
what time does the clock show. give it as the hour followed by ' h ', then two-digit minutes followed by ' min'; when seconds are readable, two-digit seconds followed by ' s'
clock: 6 h 47 min
